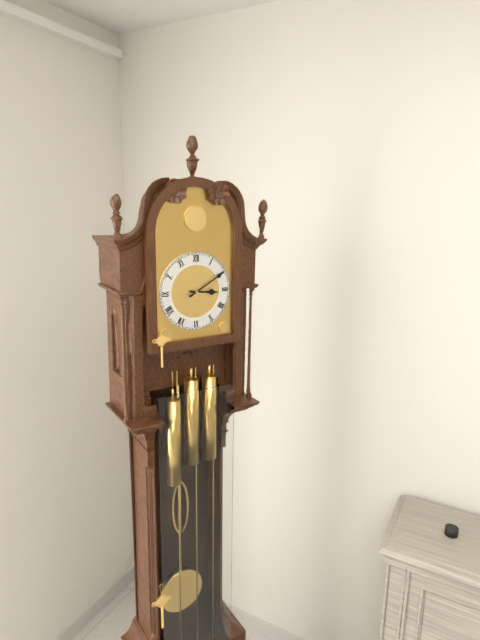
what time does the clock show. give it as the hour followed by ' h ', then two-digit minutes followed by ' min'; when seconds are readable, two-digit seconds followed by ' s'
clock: 3 h 10 min
